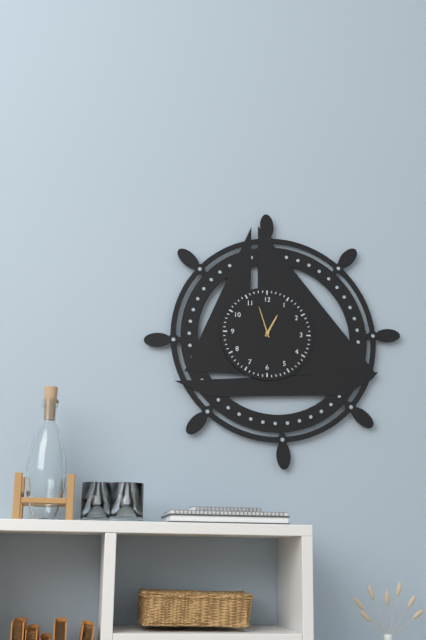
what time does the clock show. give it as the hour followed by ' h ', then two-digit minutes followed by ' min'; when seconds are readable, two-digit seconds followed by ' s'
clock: 12 h 57 min
